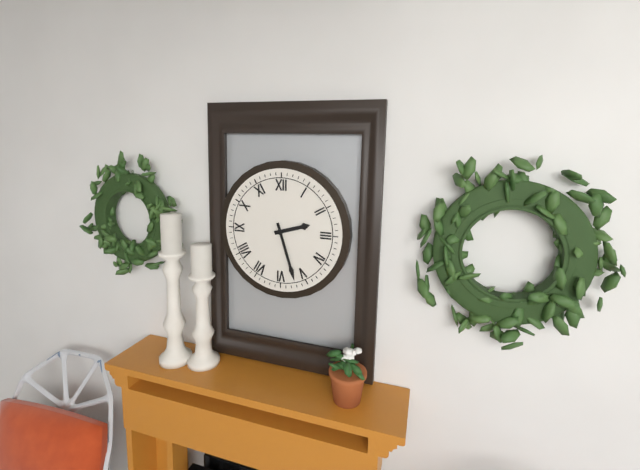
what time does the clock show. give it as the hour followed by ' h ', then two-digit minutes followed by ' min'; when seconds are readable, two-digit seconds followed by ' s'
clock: 2 h 27 min
